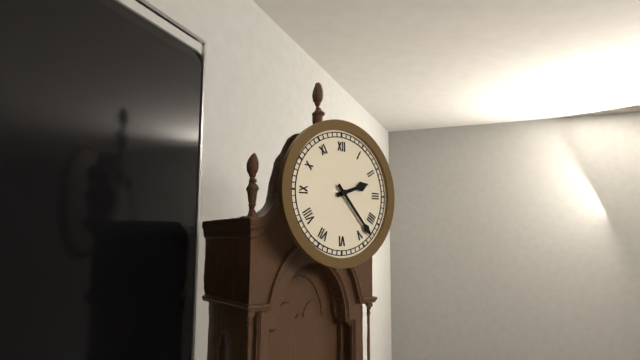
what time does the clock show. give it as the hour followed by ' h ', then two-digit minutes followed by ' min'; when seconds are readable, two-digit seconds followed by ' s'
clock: 2 h 23 min
